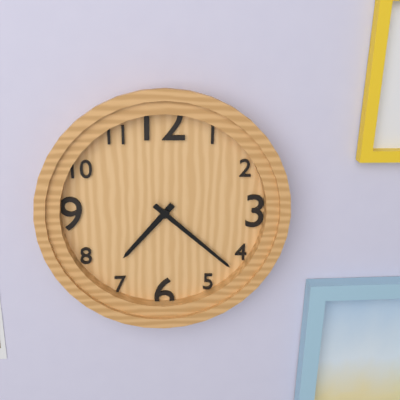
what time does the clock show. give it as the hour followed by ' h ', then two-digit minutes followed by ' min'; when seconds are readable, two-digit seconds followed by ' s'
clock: 7 h 22 min
